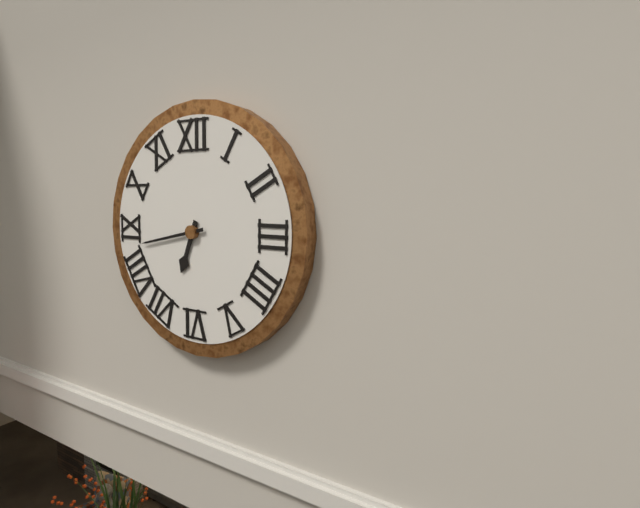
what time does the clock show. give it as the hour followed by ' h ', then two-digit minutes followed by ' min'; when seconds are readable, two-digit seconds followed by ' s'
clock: 6 h 43 min
